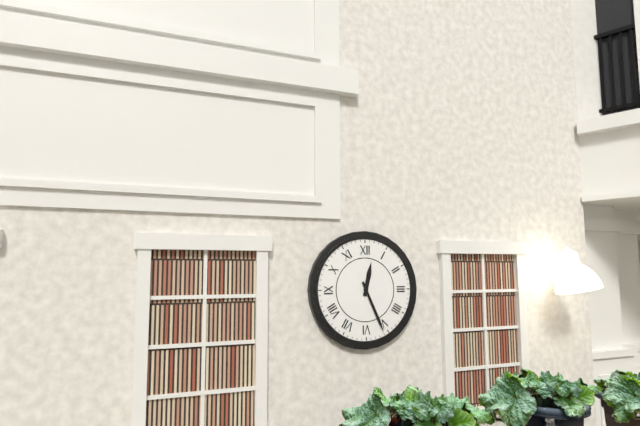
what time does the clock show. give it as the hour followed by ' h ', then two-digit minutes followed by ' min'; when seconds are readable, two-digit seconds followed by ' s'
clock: 12 h 26 min
